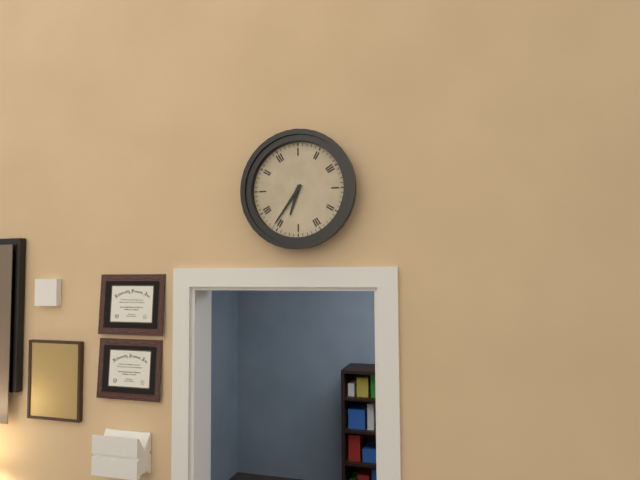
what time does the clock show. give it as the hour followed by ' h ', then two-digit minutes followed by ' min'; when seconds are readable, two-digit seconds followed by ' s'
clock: 6 h 36 min
